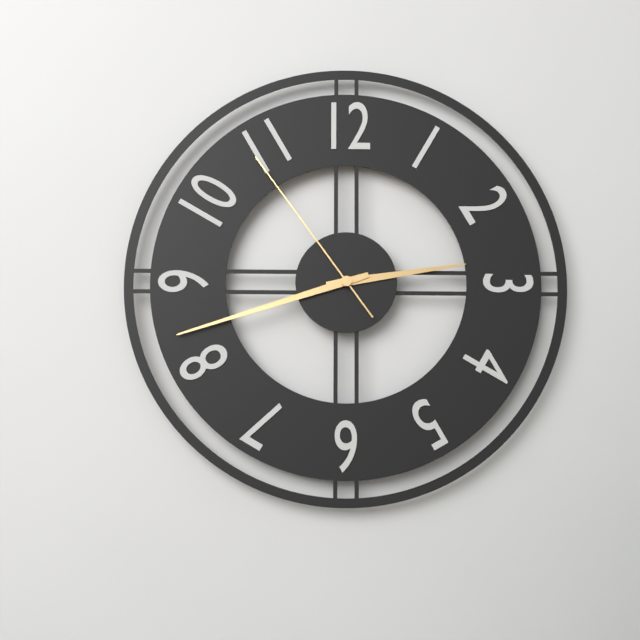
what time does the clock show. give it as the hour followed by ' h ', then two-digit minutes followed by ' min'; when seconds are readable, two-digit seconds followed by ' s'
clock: 2 h 42 min 54 s
